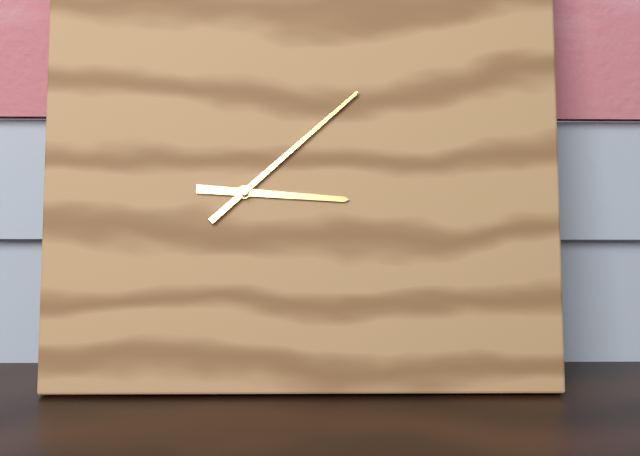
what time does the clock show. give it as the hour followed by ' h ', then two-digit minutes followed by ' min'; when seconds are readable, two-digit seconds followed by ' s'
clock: 3 h 08 min
